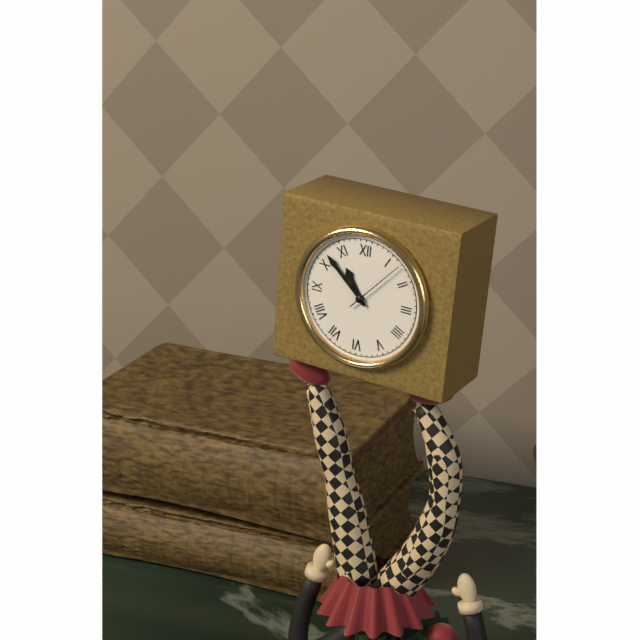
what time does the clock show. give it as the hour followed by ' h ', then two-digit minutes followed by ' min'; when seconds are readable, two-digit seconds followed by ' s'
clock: 10 h 52 min
